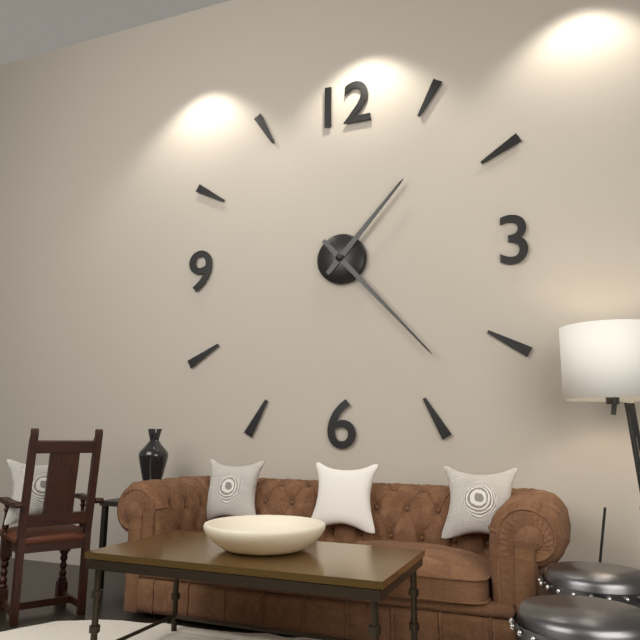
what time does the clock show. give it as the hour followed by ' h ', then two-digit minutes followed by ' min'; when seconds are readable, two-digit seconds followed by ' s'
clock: 1 h 23 min
